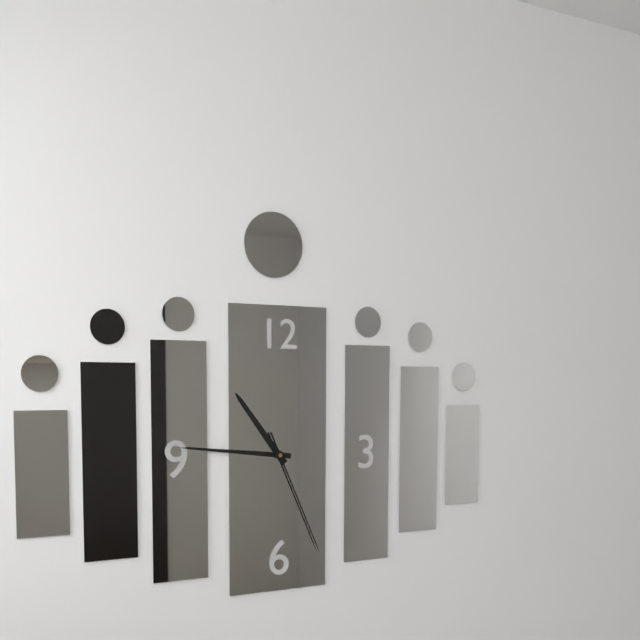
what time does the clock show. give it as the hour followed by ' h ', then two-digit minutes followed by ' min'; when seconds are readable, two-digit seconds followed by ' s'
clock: 10 h 46 min 26 s
